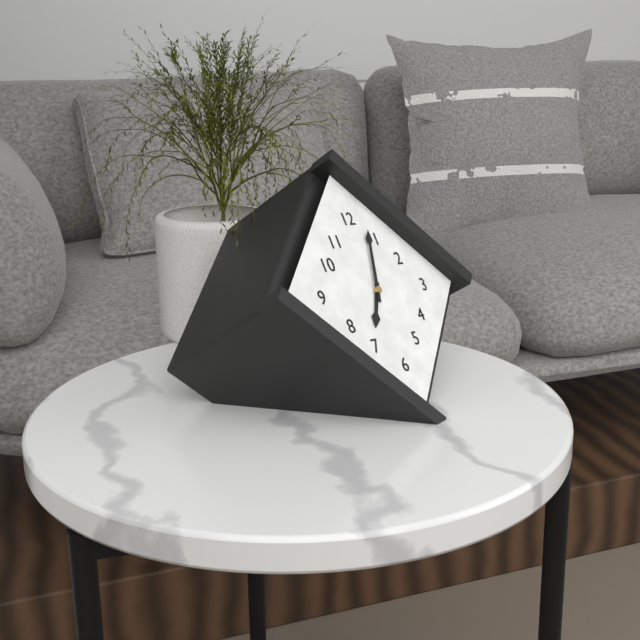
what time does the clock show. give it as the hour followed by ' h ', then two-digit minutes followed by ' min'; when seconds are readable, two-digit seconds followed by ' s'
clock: 7 h 03 min
